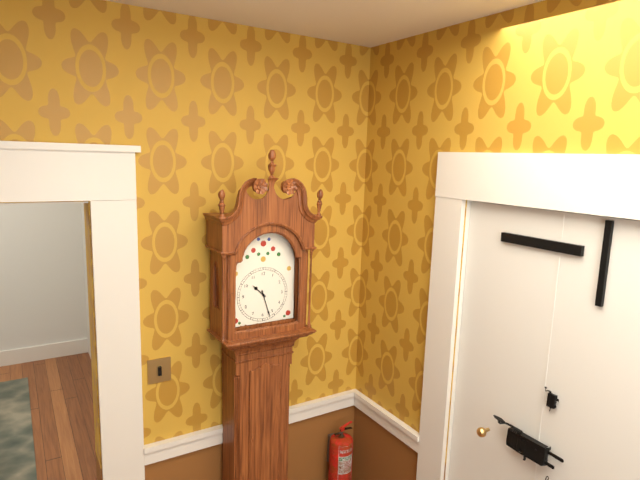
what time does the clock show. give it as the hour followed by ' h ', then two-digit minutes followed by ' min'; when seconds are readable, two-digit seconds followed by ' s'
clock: 10 h 27 min
